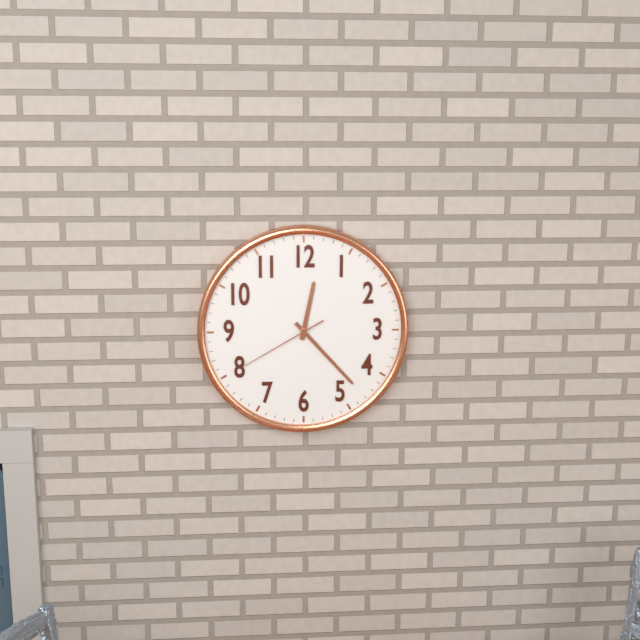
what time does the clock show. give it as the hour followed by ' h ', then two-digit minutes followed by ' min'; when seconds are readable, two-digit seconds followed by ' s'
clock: 12 h 23 min 40 s
